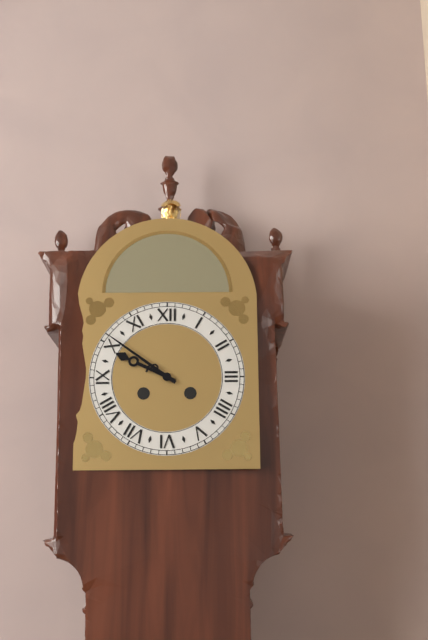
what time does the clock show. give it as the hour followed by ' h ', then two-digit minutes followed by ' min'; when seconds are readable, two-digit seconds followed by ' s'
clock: 9 h 51 min
